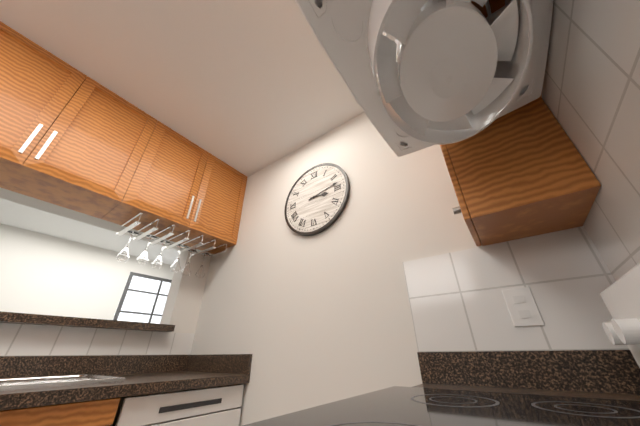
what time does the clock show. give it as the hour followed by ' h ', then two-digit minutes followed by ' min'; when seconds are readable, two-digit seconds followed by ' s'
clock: 3 h 13 min
